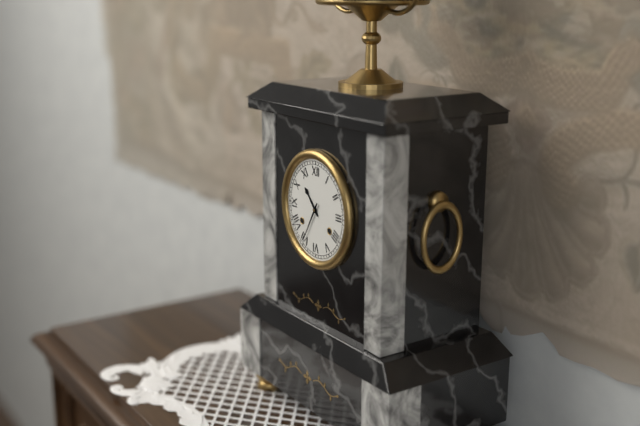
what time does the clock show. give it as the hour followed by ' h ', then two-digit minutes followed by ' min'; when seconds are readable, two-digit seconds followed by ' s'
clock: 10 h 35 min
